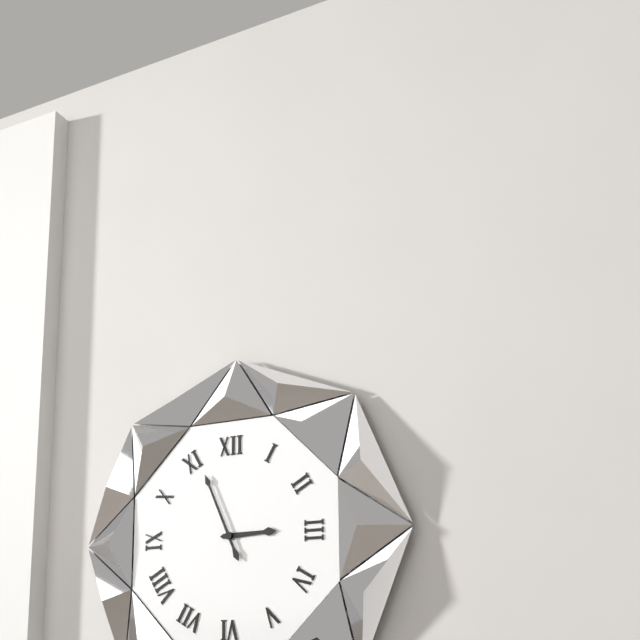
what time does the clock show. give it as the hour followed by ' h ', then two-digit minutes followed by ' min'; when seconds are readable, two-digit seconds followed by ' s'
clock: 2 h 56 min
